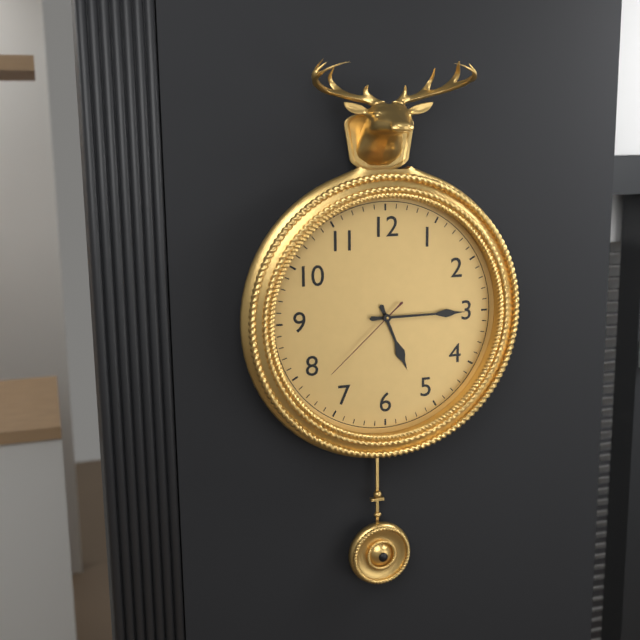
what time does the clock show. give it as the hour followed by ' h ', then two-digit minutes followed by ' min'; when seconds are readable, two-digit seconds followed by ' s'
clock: 5 h 15 min 38 s
